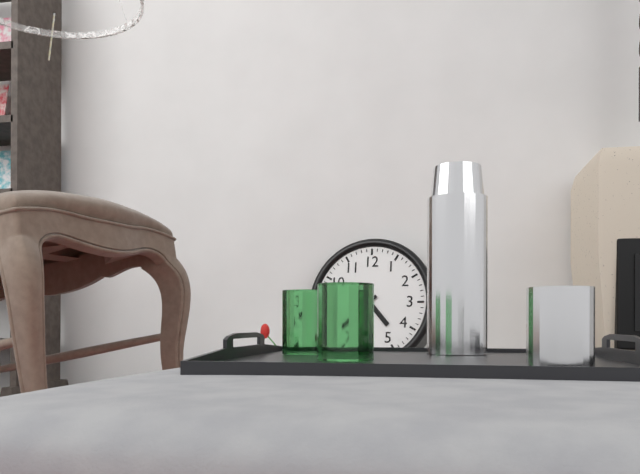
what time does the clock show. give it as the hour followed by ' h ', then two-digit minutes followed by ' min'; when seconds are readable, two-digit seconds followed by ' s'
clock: 4 h 38 min
